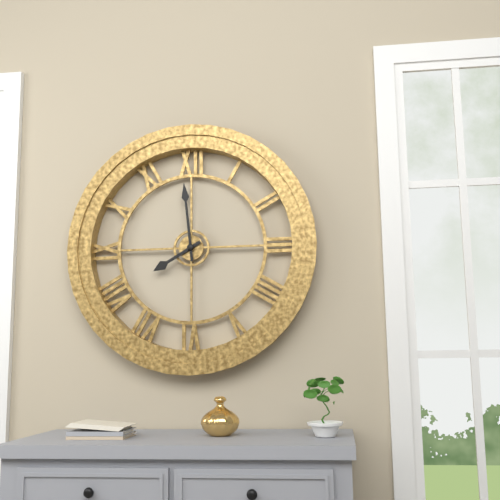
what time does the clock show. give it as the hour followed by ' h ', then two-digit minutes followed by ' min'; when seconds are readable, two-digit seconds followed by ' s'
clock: 7 h 59 min
